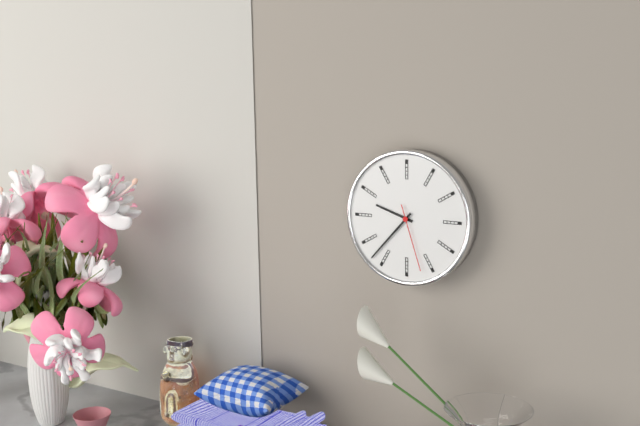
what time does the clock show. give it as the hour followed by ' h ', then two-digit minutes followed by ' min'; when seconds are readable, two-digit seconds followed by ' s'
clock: 9 h 37 min 27 s
